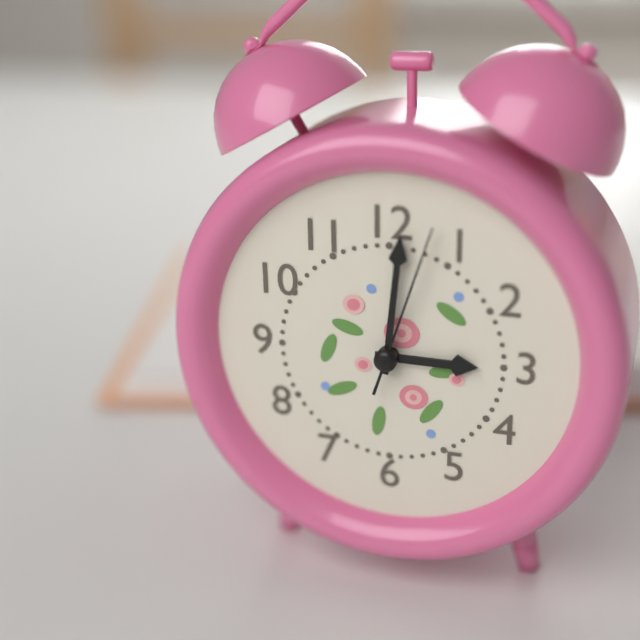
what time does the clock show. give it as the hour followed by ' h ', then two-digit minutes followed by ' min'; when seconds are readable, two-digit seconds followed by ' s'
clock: 3 h 01 min 03 s
